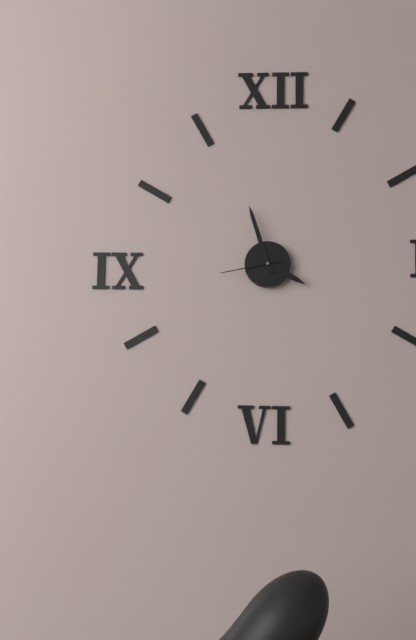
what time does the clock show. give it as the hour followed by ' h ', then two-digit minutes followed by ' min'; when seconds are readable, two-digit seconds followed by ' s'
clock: 3 h 57 min 43 s
